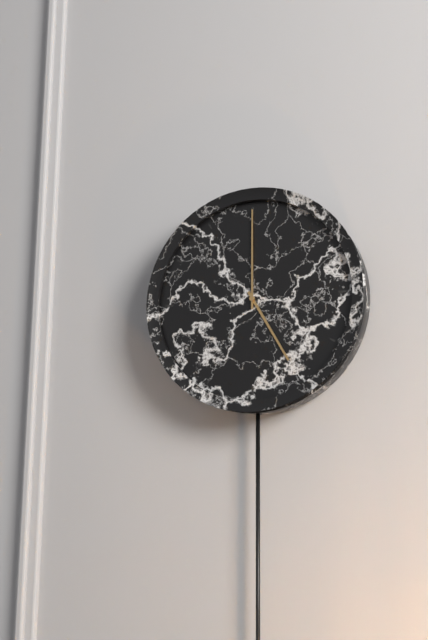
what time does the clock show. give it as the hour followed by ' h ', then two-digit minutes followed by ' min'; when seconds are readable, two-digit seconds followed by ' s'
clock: 5 h 00 min
